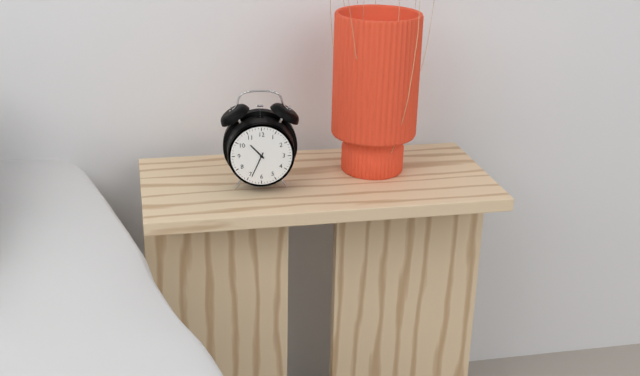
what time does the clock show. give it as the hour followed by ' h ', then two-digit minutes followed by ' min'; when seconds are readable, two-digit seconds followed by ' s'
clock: 10 h 34 min
